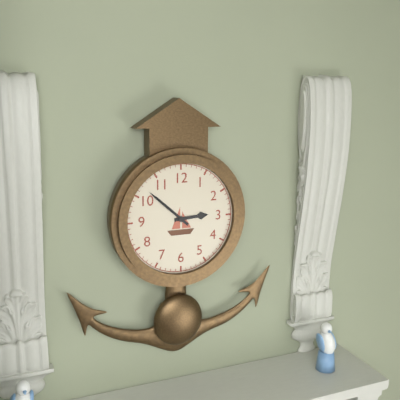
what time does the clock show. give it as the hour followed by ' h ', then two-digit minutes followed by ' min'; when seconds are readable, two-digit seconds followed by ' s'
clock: 2 h 52 min
